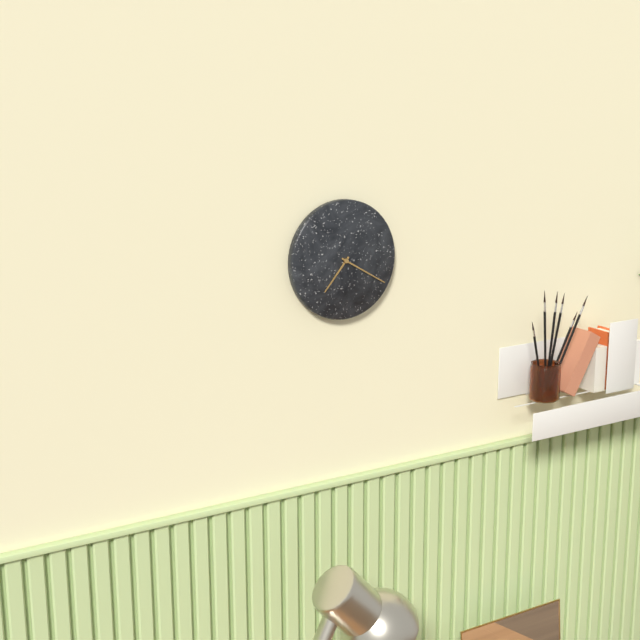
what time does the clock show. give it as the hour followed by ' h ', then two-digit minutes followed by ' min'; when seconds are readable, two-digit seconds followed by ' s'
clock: 7 h 20 min
